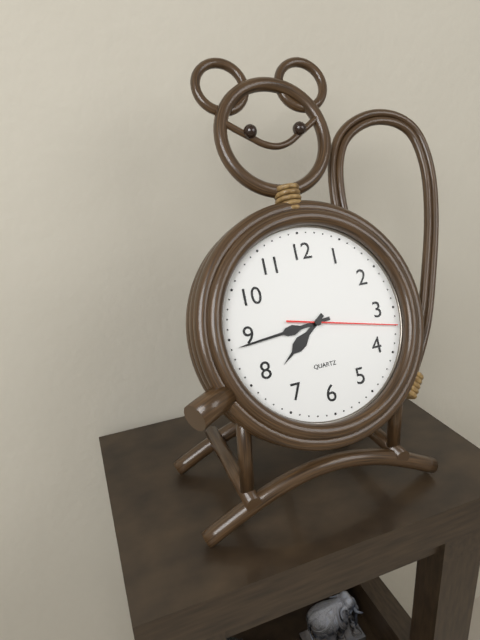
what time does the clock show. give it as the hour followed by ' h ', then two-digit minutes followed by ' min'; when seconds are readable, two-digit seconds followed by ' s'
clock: 7 h 44 min 17 s
